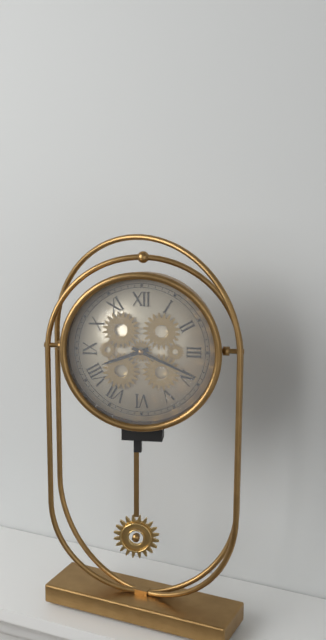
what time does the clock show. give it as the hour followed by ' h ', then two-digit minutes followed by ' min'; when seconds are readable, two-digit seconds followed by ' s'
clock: 8 h 19 min
